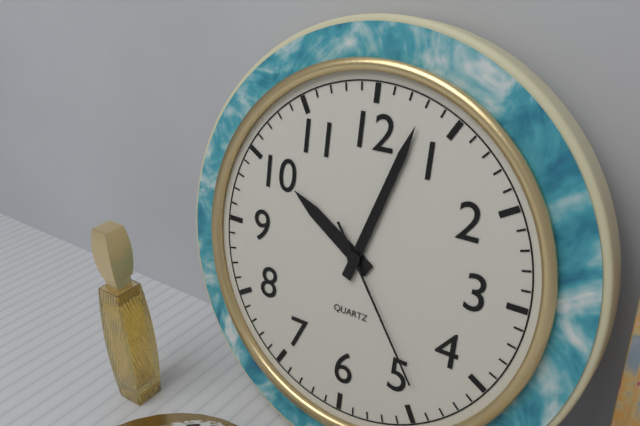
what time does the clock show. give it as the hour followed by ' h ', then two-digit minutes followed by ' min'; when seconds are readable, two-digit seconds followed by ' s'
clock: 10 h 03 min 24 s
